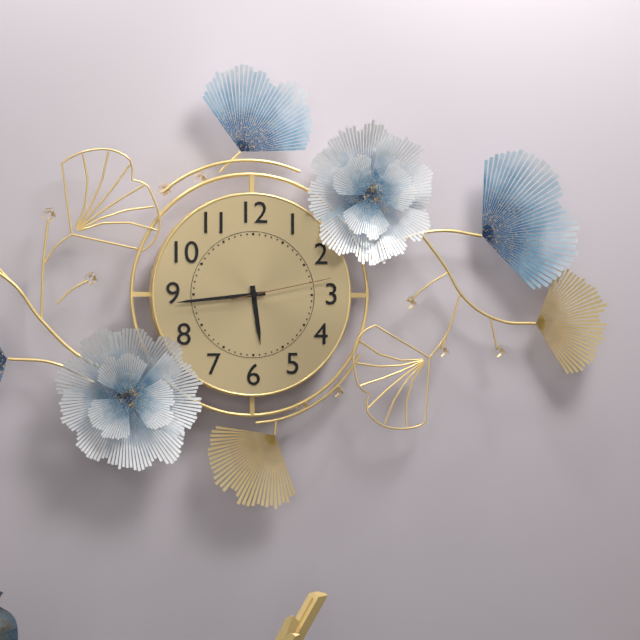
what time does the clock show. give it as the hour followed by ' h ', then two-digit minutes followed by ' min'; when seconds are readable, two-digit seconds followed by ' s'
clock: 5 h 44 min 13 s
